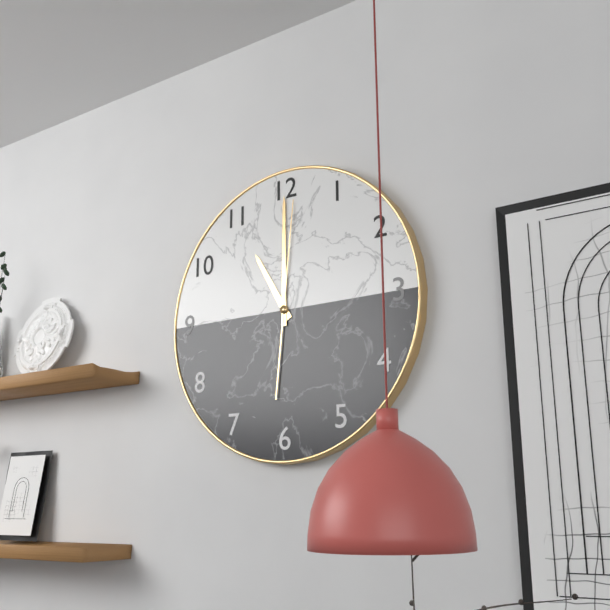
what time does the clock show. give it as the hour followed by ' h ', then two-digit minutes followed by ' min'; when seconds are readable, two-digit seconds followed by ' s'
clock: 11 h 00 min 01 s
